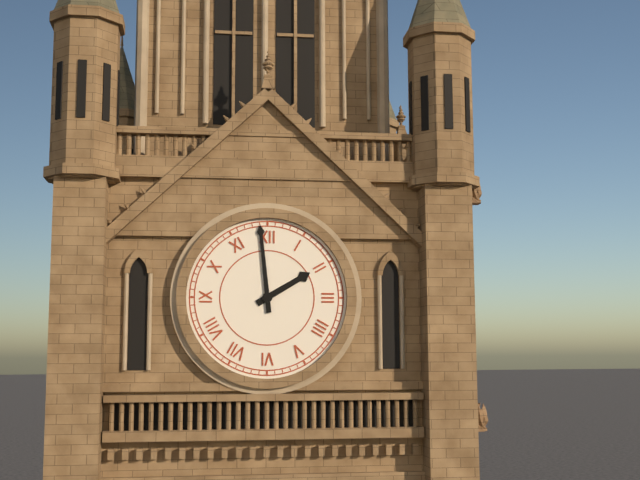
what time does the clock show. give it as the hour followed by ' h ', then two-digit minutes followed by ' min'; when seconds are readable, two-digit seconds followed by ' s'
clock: 1 h 59 min
